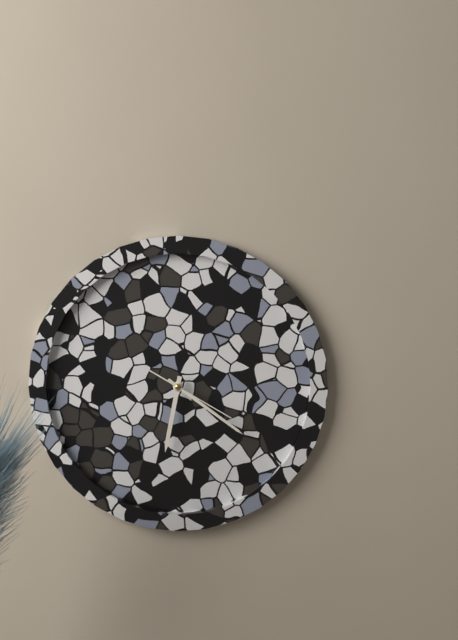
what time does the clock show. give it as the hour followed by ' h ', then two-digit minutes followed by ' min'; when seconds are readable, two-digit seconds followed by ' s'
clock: 6 h 21 min 20 s
